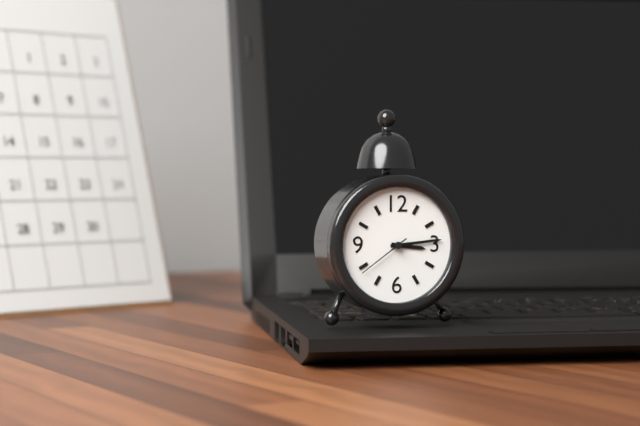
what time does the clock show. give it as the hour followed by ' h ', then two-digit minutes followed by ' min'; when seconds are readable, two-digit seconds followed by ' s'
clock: 3 h 14 min 39 s
